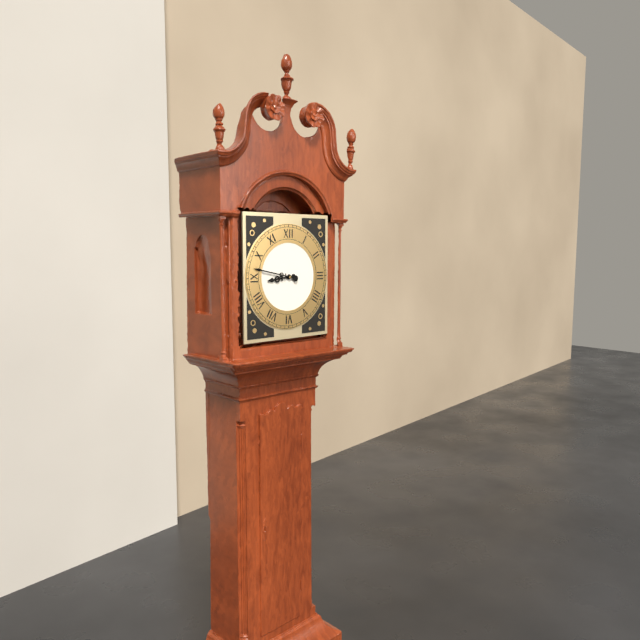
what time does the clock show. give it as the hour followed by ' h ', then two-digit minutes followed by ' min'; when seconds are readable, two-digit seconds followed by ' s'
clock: 8 h 47 min
